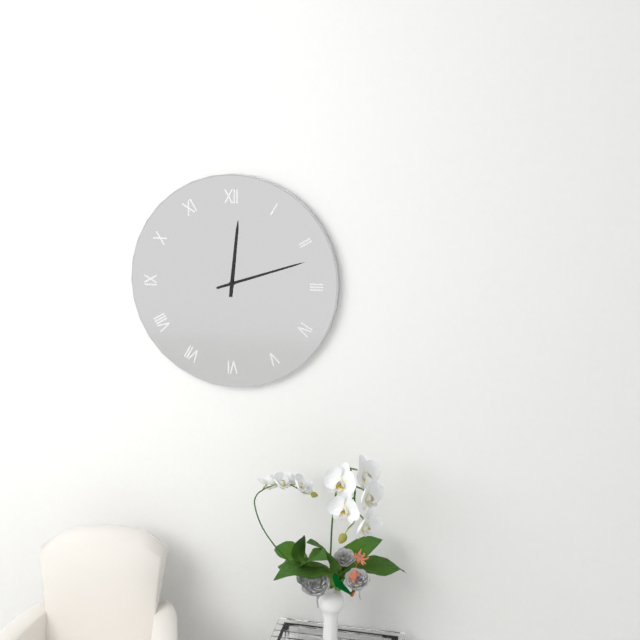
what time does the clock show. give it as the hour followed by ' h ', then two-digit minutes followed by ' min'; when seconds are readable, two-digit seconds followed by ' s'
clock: 12 h 12 min
